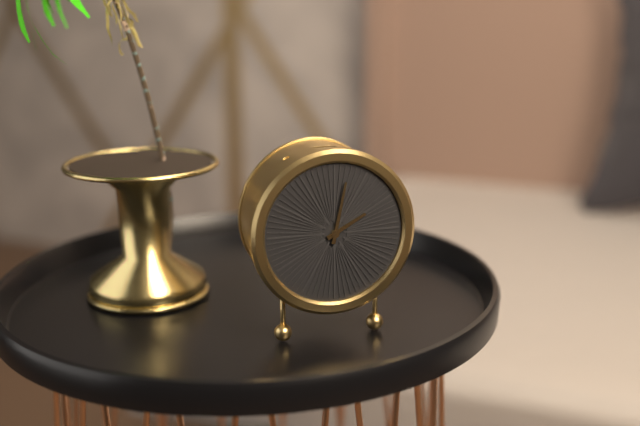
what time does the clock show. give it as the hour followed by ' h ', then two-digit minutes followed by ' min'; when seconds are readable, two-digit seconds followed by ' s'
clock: 2 h 02 min
